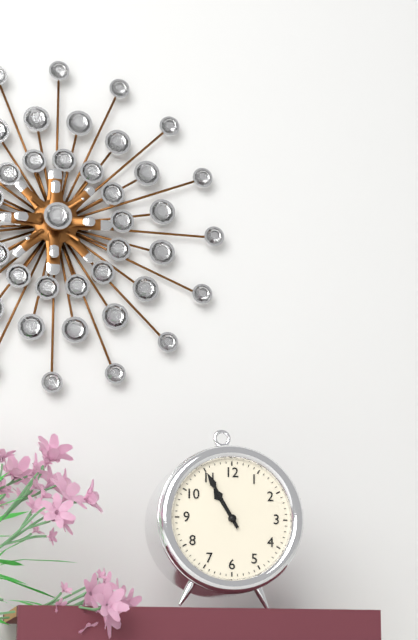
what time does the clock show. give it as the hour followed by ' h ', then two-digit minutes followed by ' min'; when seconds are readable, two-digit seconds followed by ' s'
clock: 10 h 55 min
